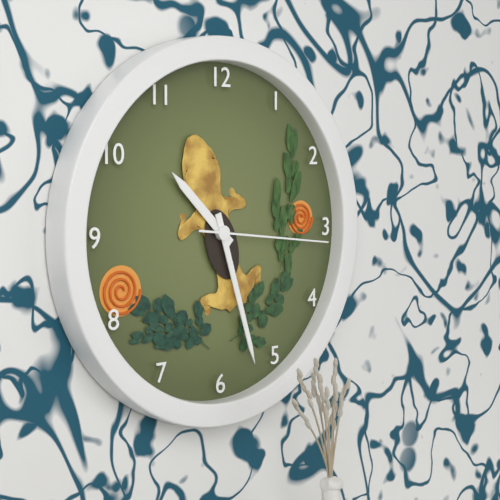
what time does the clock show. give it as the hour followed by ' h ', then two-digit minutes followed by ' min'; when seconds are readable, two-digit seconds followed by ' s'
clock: 10 h 27 min 16 s
